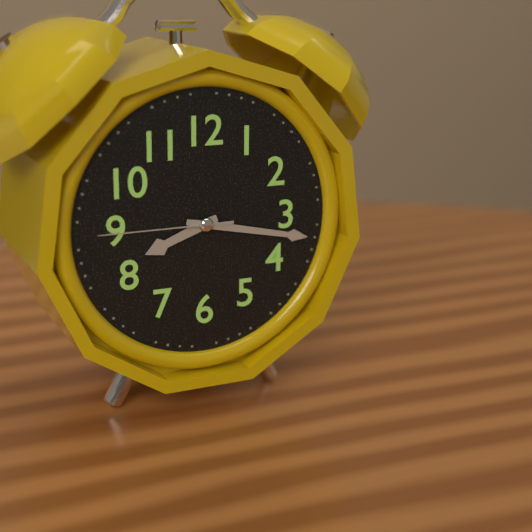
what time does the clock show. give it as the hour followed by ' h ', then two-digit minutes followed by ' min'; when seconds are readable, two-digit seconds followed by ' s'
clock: 8 h 17 min 45 s
